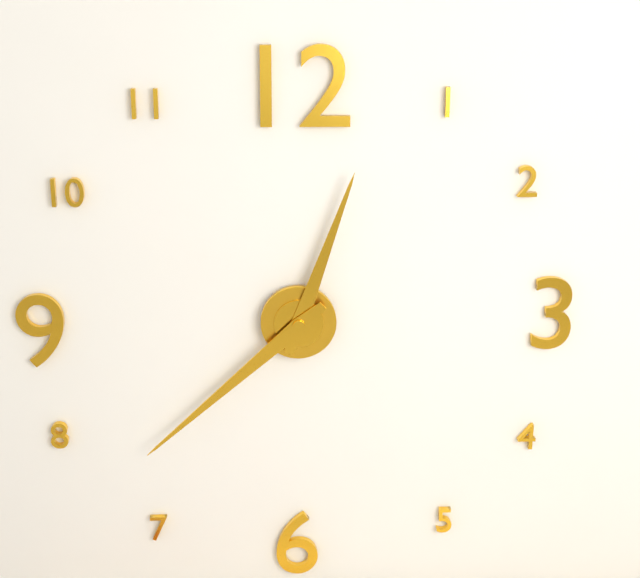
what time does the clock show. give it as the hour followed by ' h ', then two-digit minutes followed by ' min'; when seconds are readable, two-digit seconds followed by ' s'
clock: 12 h 38 min
